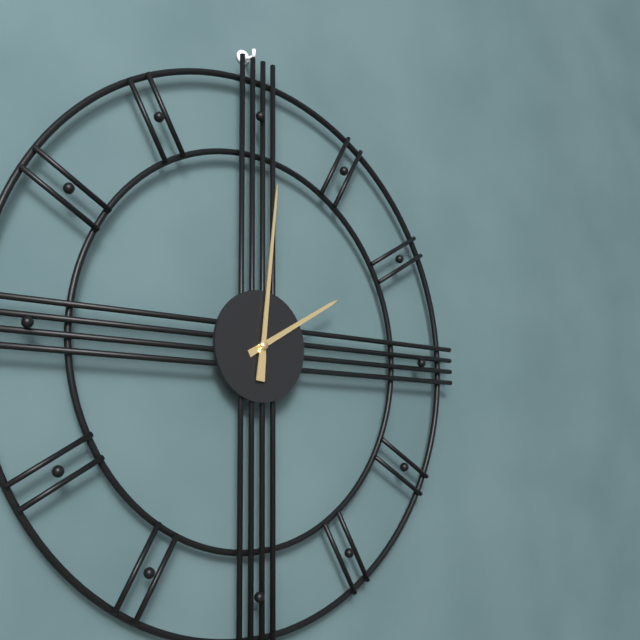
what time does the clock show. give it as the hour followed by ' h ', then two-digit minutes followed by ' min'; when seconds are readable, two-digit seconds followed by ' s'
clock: 2 h 01 min
